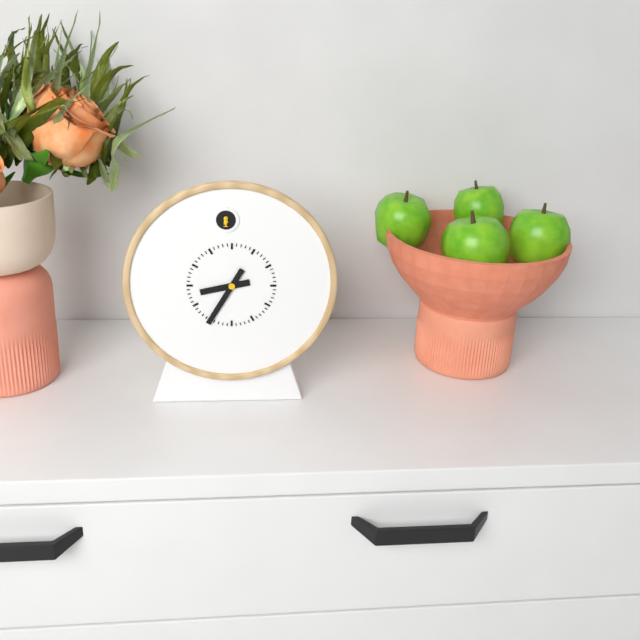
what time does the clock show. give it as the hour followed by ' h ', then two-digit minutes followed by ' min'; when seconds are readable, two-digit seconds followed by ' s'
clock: 8 h 35 min
